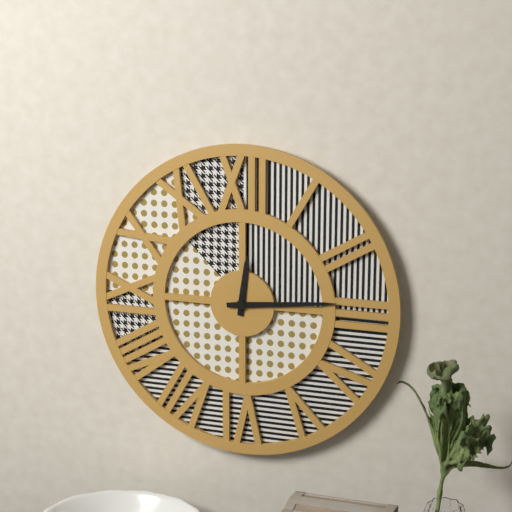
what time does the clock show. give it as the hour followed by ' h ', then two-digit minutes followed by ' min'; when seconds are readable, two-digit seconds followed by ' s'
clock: 12 h 14 min
